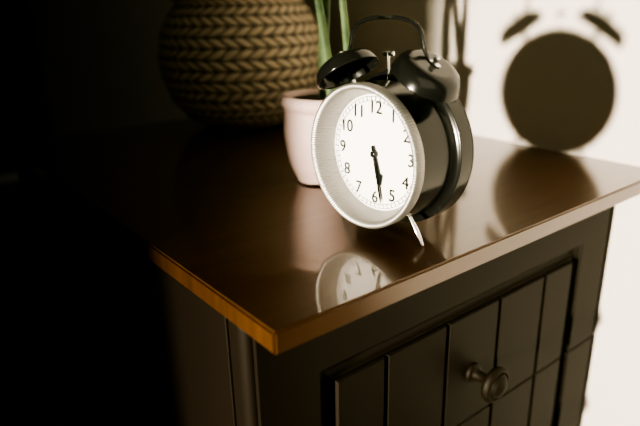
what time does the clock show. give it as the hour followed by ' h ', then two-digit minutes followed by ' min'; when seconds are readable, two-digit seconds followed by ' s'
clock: 5 h 28 min
